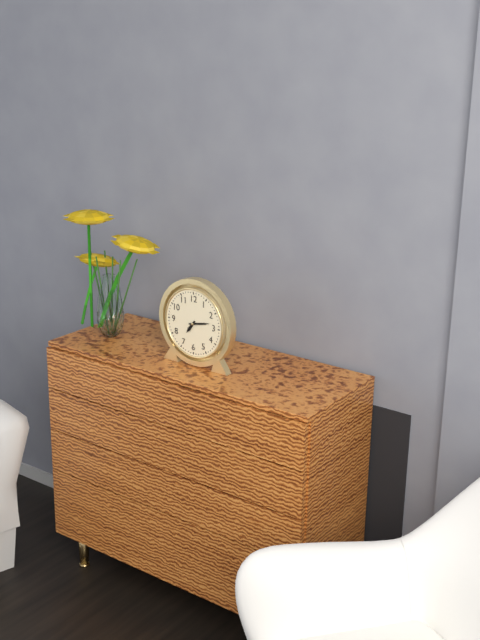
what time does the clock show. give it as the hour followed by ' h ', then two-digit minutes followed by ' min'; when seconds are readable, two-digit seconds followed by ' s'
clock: 7 h 13 min
